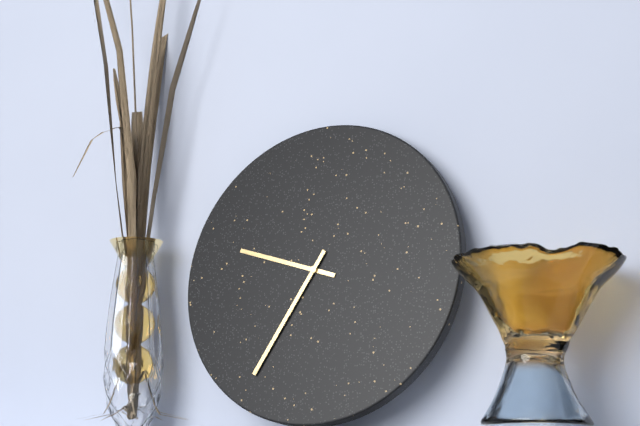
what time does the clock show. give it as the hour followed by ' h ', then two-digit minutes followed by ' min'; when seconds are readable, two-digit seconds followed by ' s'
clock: 9 h 35 min
